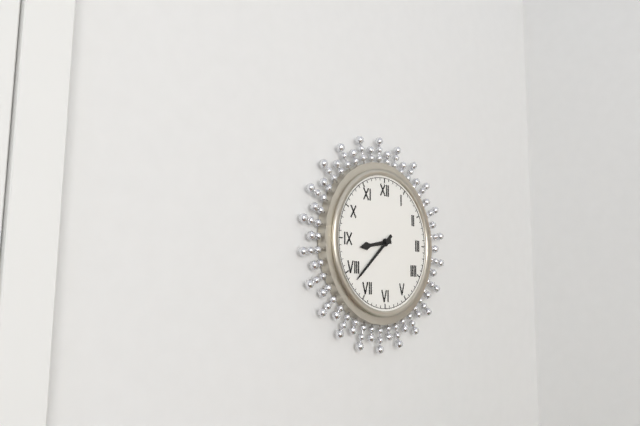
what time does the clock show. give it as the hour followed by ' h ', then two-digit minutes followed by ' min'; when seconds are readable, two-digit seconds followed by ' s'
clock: 8 h 38 min
